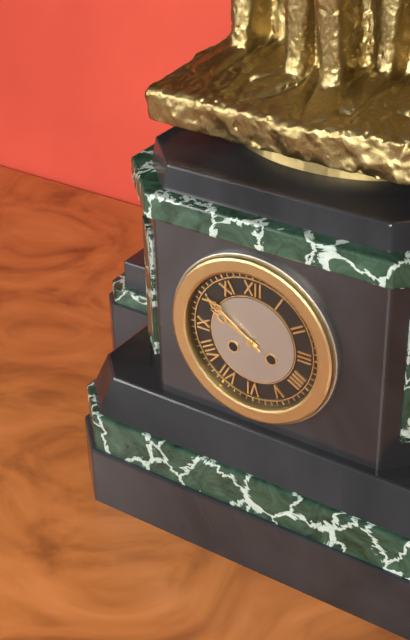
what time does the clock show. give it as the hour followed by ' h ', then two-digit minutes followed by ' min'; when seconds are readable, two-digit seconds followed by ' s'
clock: 9 h 51 min
